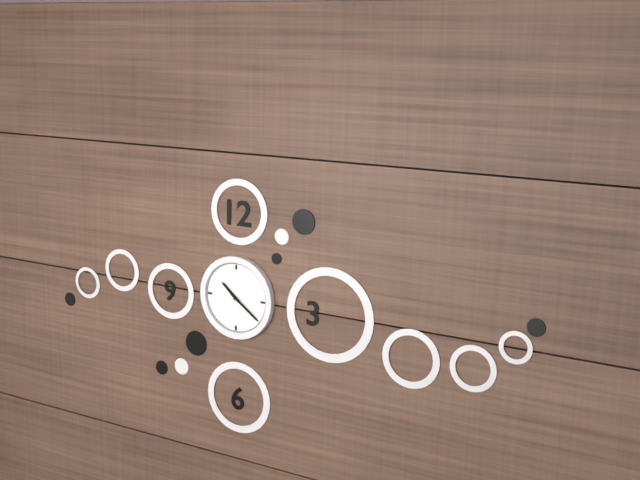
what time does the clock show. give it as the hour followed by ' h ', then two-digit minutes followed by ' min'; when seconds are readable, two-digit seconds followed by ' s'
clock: 10 h 21 min
